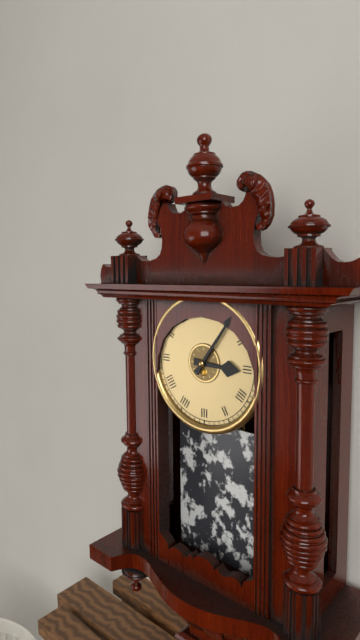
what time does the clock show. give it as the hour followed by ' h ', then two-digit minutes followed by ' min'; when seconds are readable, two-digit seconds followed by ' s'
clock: 3 h 06 min
